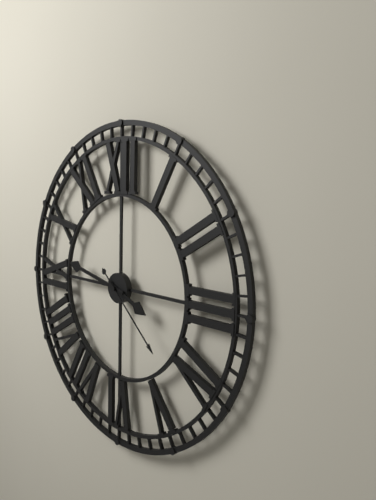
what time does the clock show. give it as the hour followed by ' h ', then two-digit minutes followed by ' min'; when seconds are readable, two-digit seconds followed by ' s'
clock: 3 h 47 min 22 s
